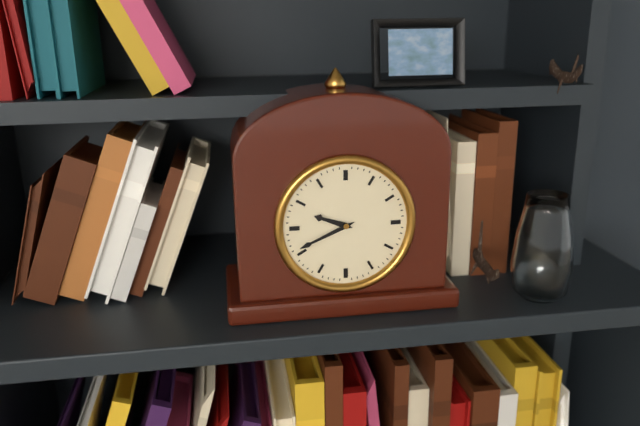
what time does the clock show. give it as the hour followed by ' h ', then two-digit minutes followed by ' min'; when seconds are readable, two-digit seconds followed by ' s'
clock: 9 h 41 min
